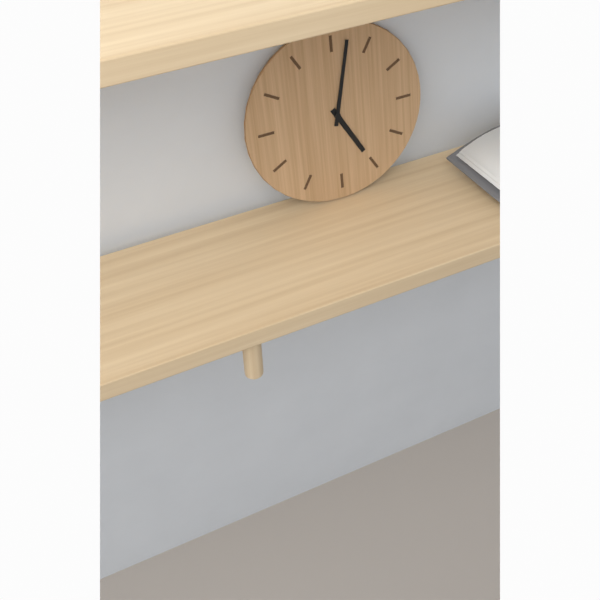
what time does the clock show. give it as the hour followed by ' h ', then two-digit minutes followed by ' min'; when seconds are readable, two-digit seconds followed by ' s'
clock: 5 h 02 min
